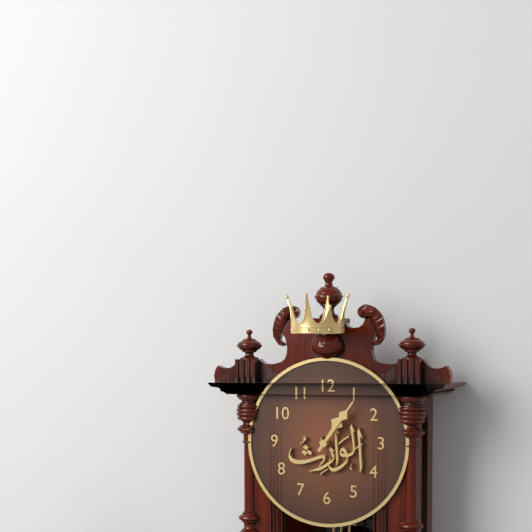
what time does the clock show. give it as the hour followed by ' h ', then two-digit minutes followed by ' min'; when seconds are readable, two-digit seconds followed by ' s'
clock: 1 h 06 min
